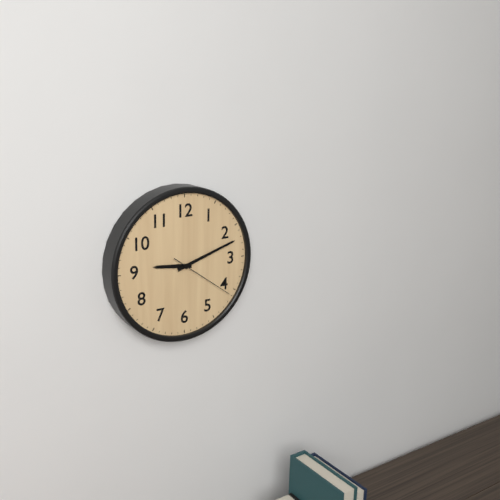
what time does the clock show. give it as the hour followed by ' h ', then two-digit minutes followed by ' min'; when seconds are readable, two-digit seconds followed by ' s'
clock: 9 h 12 min 21 s
